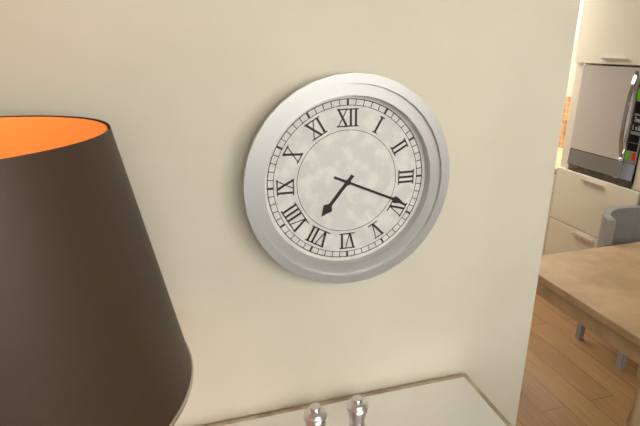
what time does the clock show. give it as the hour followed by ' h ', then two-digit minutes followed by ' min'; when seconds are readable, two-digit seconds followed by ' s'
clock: 7 h 19 min
